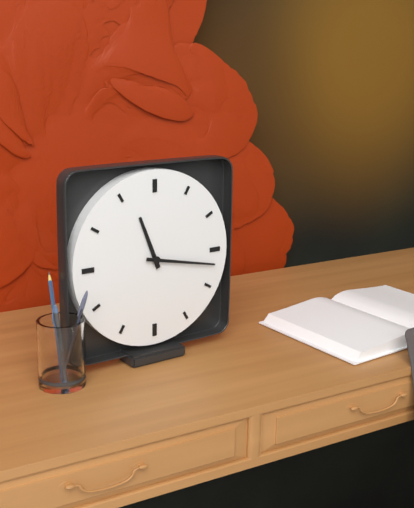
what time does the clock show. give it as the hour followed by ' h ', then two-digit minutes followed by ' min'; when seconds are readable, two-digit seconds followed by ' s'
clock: 11 h 17 min
